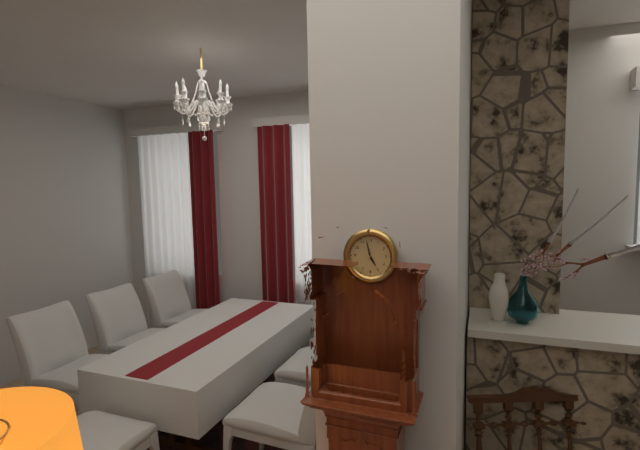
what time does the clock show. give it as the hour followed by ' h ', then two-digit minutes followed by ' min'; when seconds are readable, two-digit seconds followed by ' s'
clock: 4 h 58 min
